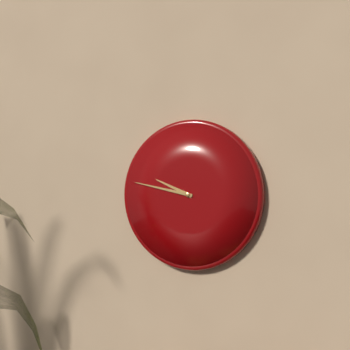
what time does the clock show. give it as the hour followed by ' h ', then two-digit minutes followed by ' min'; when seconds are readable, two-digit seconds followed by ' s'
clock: 9 h 47 min
